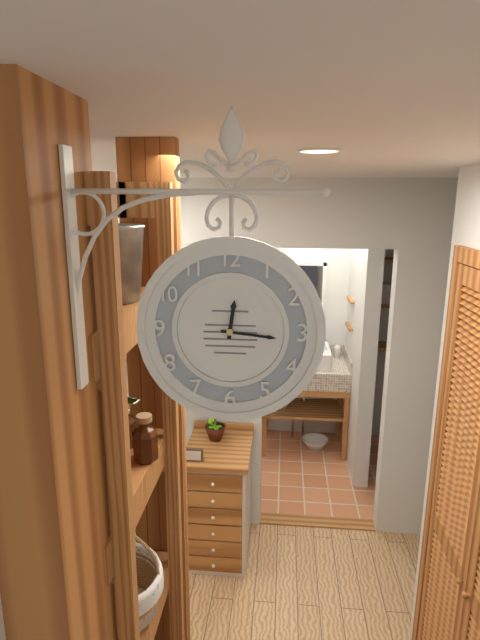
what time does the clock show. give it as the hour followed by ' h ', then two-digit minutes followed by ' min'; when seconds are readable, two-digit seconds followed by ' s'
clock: 12 h 16 min
